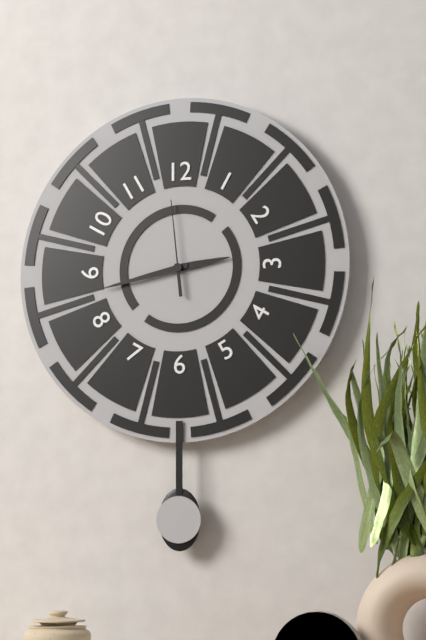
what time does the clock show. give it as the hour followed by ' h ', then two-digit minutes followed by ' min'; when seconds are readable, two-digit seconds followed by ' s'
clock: 2 h 43 min 59 s
